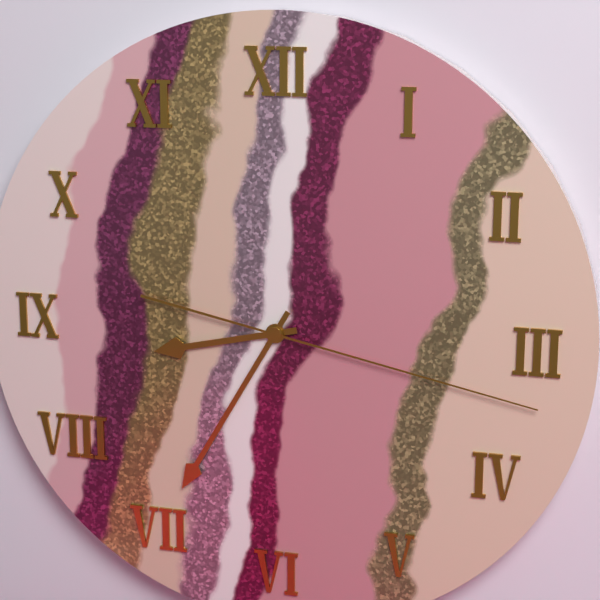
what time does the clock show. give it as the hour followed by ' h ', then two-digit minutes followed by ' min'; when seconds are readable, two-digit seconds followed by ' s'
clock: 8 h 35 min 17 s
